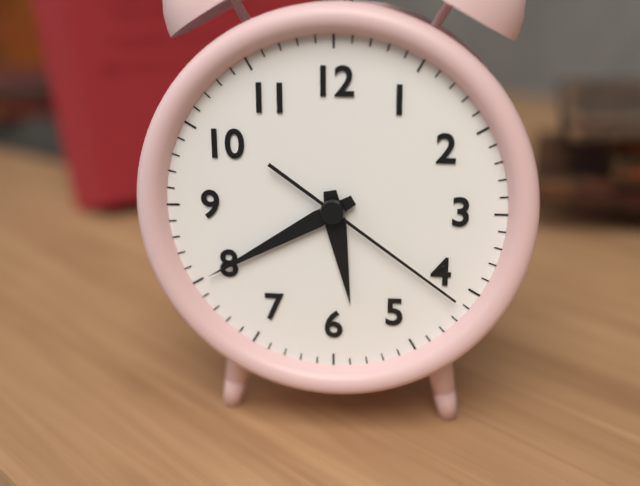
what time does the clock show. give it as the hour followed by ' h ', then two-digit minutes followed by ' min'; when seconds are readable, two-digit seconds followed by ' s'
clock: 5 h 40 min 21 s
